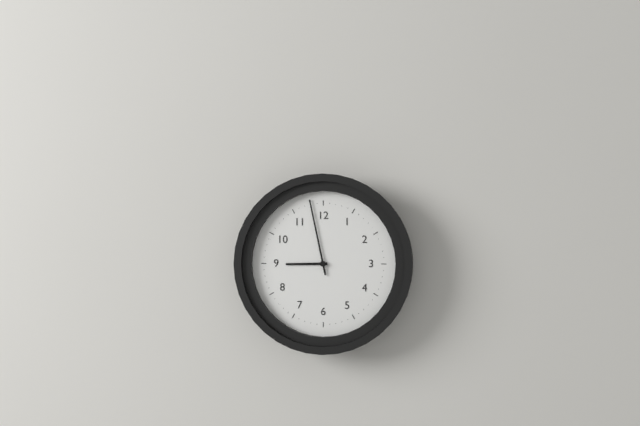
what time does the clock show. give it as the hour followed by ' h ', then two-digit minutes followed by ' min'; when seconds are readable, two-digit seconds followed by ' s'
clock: 8 h 58 min
